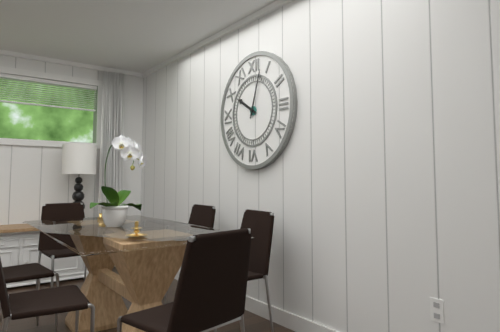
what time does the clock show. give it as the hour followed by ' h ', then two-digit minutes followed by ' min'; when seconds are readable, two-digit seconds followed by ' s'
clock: 10 h 03 min
